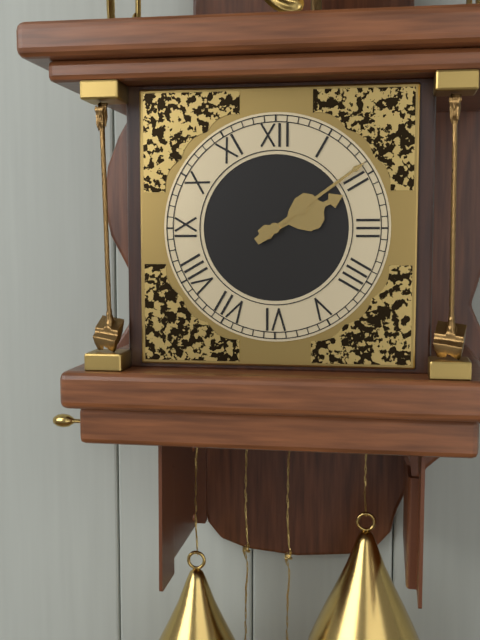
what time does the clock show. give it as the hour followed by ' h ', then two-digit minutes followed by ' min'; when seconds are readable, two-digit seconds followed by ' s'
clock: 2 h 09 min
